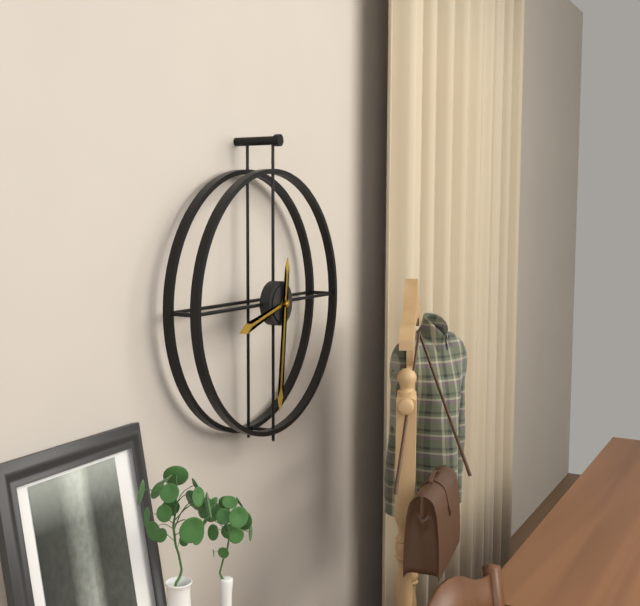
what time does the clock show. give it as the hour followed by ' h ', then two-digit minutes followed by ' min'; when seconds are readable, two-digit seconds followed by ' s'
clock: 8 h 31 min
